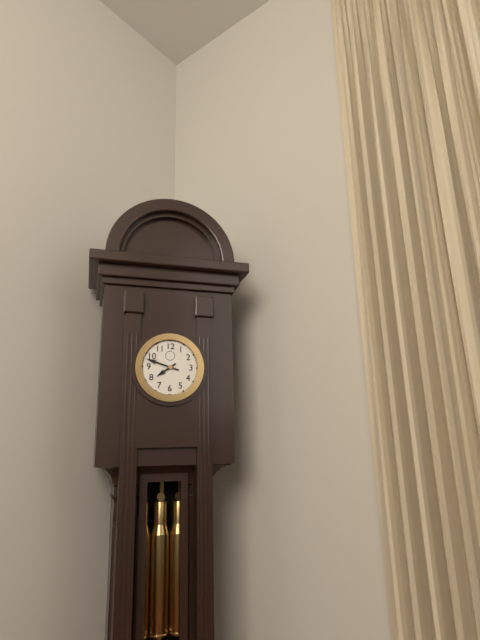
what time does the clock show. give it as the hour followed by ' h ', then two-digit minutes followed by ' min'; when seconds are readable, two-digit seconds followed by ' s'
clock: 7 h 48 min
